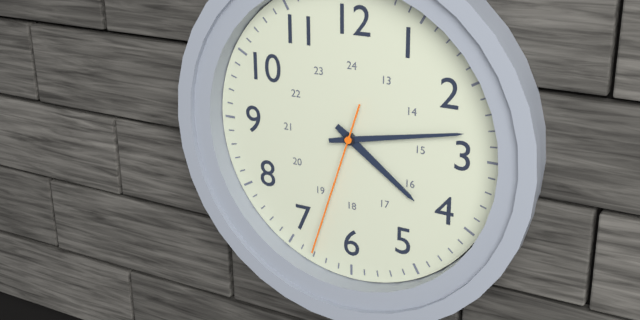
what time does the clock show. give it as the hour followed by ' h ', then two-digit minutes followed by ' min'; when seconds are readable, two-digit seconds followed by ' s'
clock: 4 h 13 min 33 s
